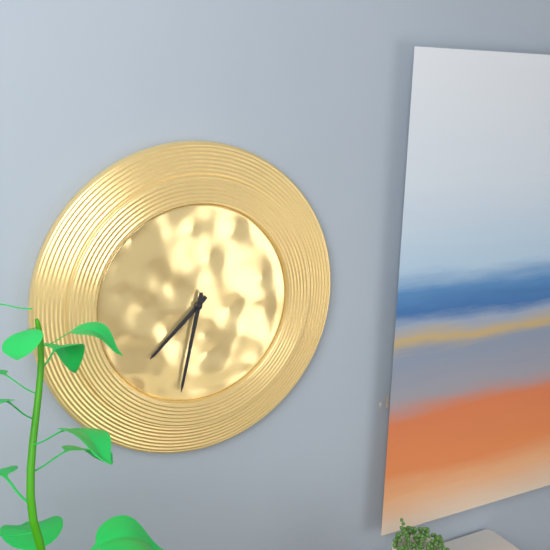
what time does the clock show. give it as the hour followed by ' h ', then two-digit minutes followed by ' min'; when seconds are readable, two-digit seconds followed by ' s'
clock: 7 h 32 min
